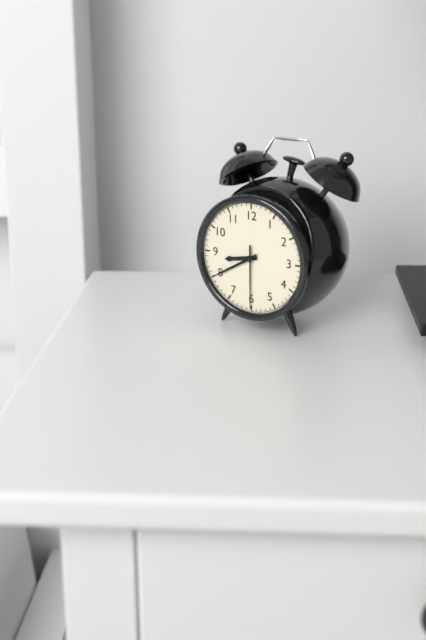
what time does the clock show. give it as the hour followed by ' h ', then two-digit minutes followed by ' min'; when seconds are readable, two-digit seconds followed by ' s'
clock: 8 h 40 min 30 s
